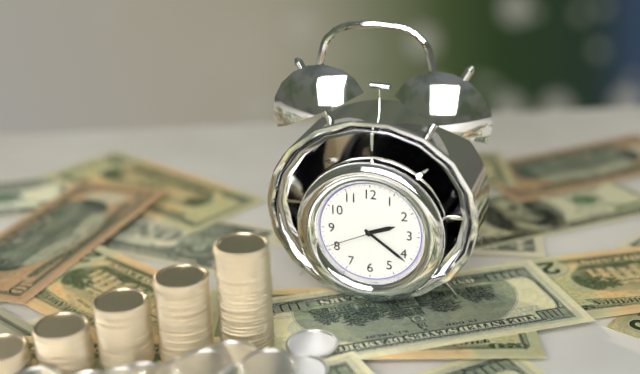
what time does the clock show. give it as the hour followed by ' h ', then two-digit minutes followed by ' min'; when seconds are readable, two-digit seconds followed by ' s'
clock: 2 h 21 min 41 s
